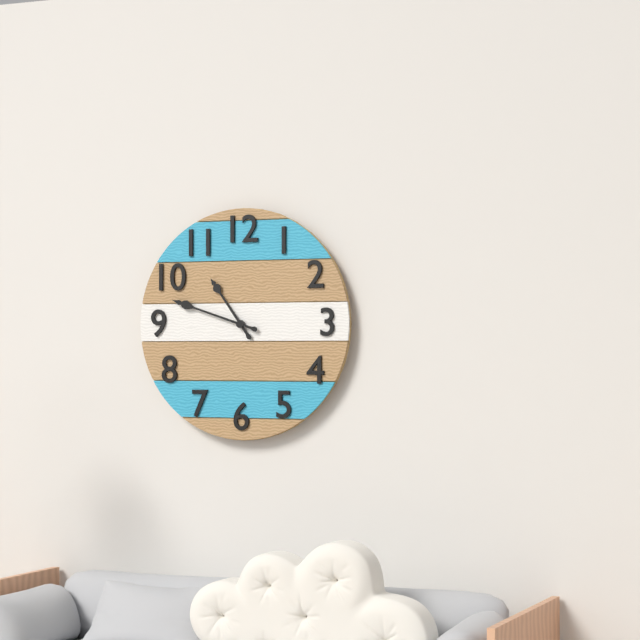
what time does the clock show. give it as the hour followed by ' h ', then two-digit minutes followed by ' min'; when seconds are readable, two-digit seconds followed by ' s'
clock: 10 h 48 min
